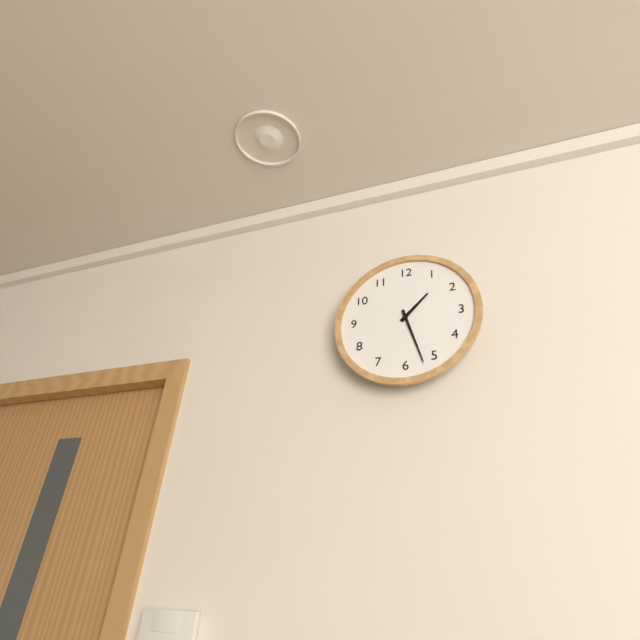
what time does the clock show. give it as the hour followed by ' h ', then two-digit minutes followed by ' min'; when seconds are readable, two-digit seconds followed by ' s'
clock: 1 h 27 min
